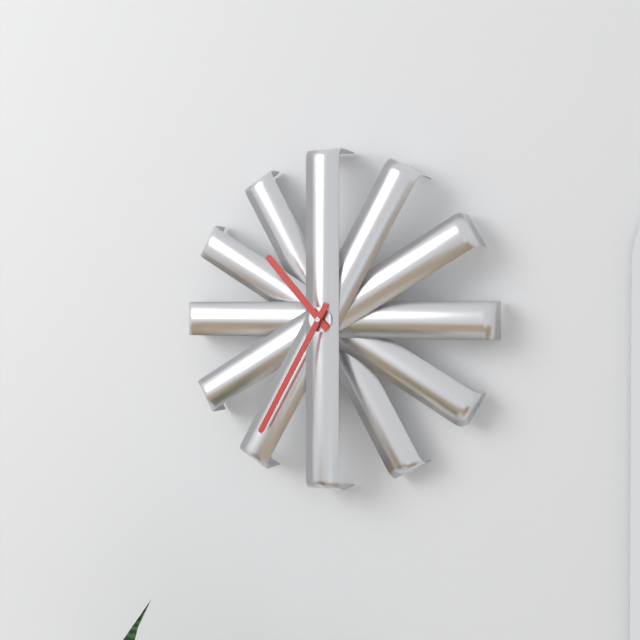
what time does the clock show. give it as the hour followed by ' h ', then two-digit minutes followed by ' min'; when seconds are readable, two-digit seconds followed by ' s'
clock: 10 h 35 min
